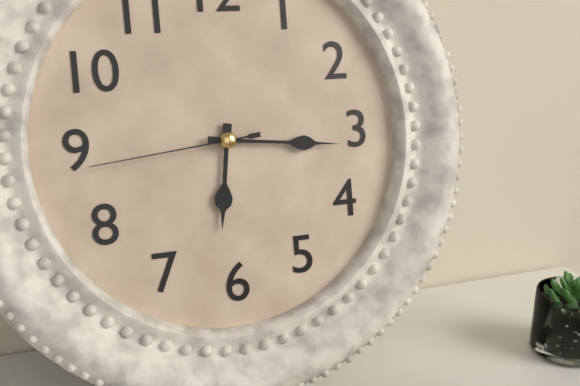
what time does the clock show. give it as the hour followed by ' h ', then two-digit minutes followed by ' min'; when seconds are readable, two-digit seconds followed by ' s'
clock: 6 h 16 min 44 s
